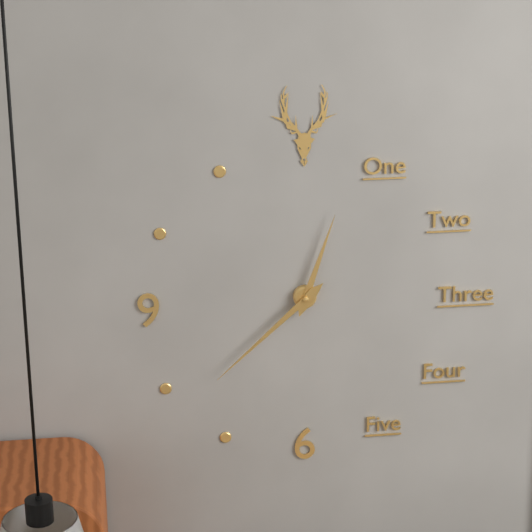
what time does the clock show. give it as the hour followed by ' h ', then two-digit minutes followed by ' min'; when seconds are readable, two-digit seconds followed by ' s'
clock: 12 h 38 min
